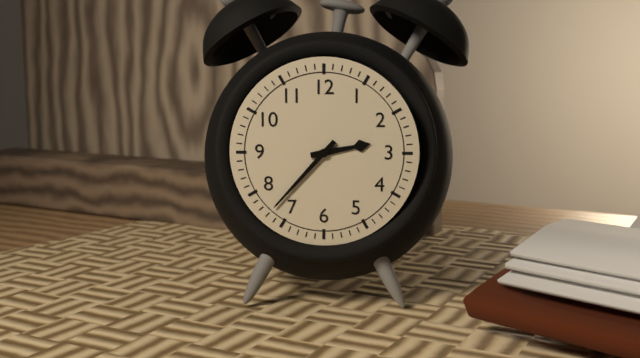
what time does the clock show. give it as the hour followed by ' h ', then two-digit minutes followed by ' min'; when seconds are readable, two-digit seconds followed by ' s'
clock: 2 h 37 min
